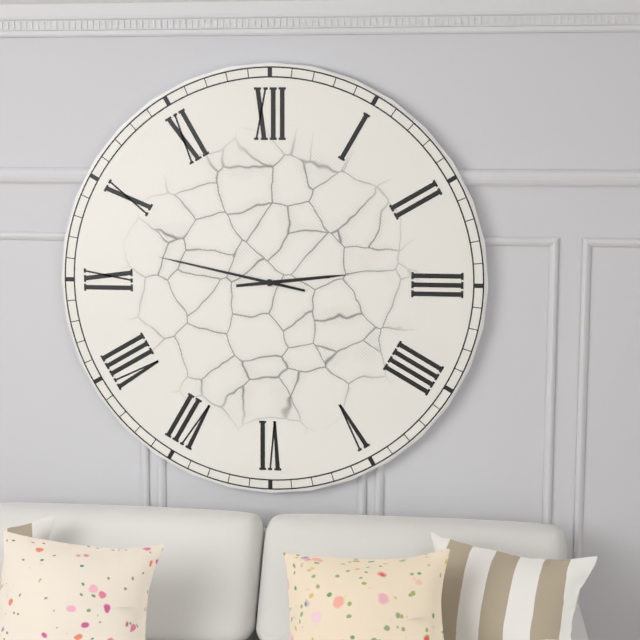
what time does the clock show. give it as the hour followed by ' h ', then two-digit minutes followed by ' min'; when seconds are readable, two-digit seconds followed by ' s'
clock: 2 h 47 min
